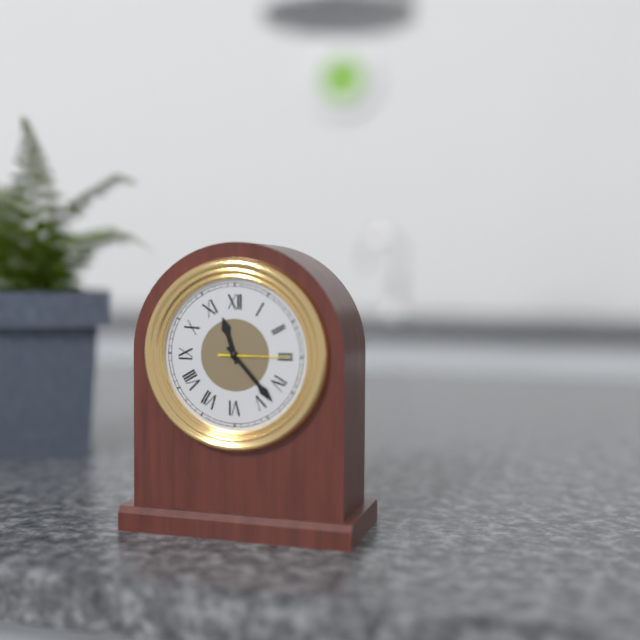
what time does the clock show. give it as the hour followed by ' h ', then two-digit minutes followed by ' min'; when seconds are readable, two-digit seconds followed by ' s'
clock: 11 h 23 min 15 s
